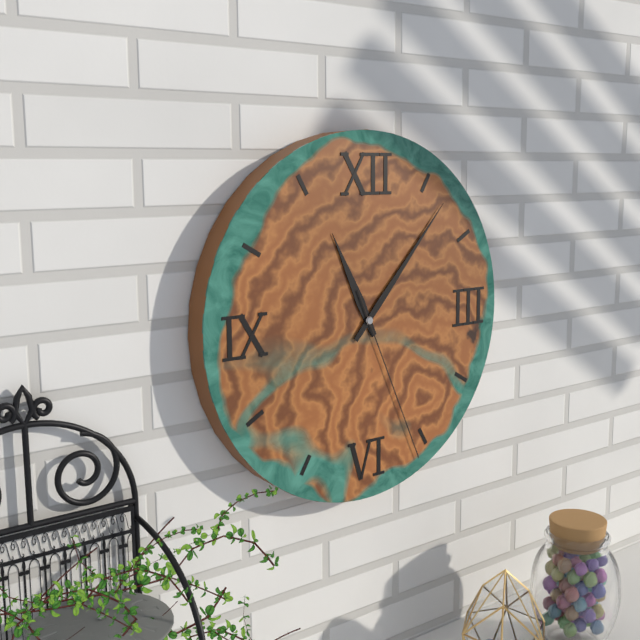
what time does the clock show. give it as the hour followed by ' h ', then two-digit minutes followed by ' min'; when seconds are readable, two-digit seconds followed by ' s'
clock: 11 h 07 min 26 s
